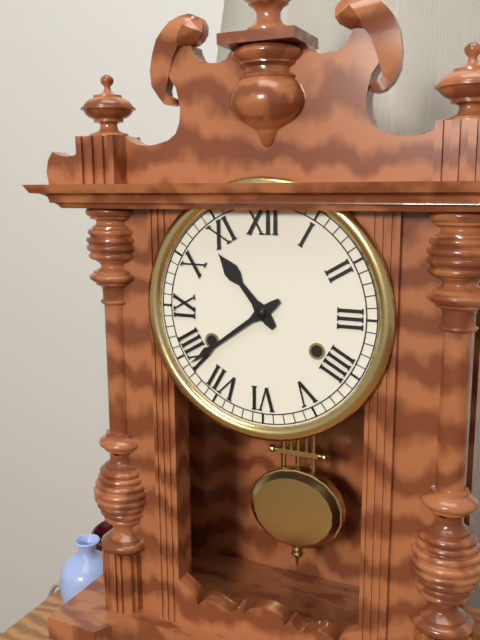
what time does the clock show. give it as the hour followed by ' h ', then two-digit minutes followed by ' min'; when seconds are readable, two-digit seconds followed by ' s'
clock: 10 h 39 min
